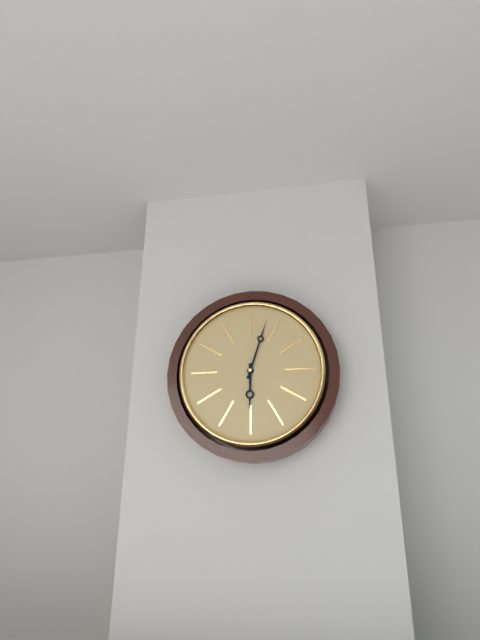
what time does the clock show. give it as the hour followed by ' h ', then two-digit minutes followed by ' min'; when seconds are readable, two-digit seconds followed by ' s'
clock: 6 h 03 min
